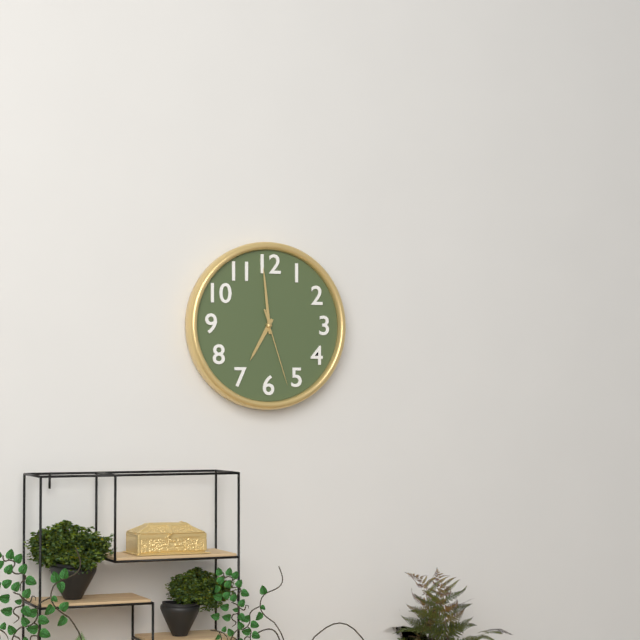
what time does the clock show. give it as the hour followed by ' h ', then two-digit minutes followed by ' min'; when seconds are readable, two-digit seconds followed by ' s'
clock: 6 h 59 min 27 s
